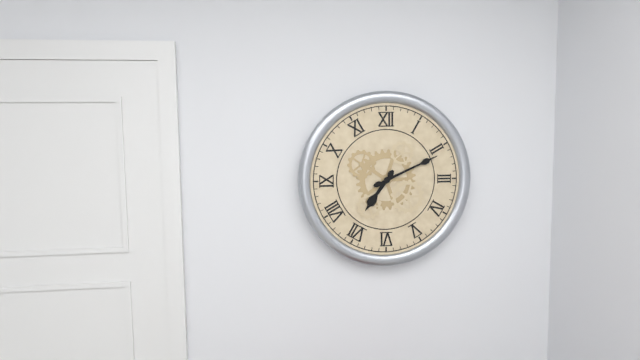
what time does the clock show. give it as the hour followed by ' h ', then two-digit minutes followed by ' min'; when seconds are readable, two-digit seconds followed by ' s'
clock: 7 h 11 min
